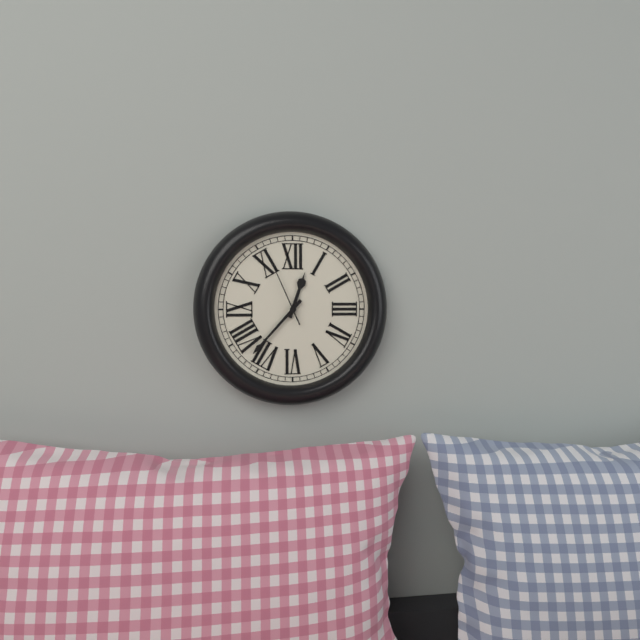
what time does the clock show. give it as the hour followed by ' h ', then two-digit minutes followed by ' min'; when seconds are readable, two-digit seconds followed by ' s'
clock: 12 h 37 min 56 s
